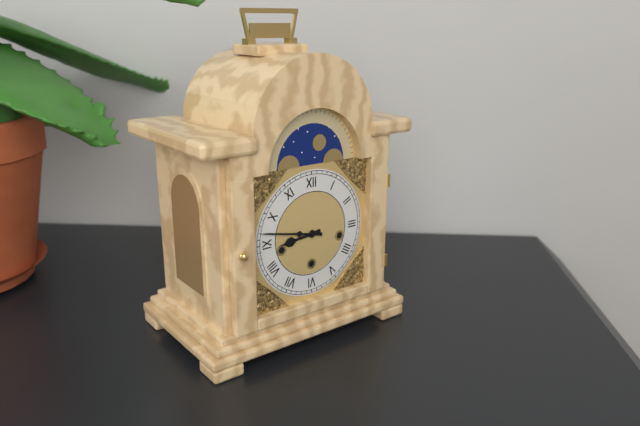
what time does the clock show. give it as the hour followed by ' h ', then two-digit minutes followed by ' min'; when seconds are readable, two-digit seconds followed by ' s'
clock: 8 h 47 min
